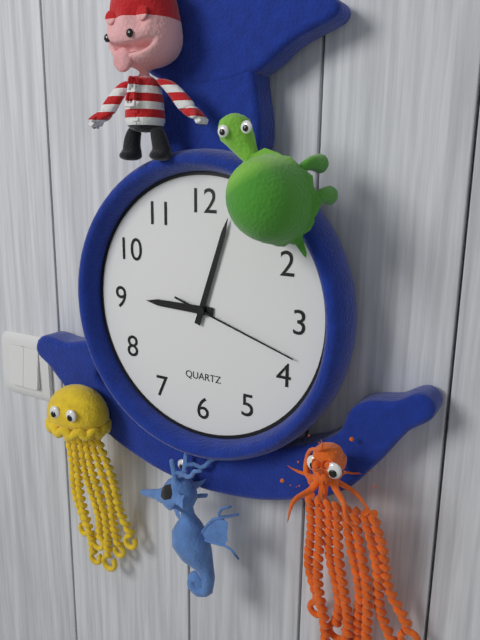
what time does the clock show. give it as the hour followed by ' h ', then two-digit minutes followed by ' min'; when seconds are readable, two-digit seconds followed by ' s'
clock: 9 h 03 min 18 s
